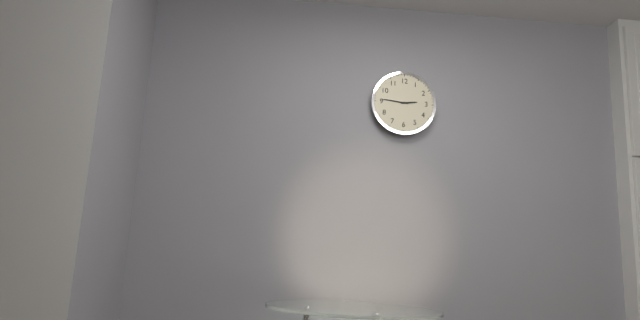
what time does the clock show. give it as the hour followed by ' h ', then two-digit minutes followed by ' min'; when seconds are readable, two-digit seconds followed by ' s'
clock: 2 h 46 min
